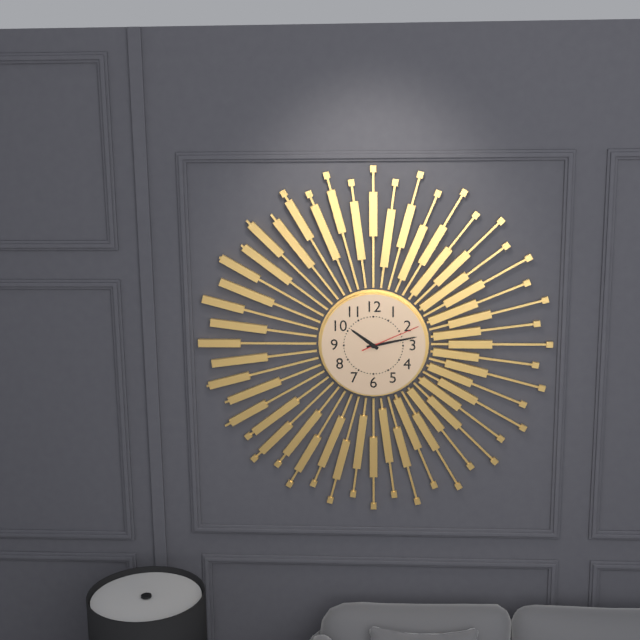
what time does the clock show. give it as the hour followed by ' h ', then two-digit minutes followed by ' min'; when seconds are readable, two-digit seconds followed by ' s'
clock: 10 h 13 min 11 s
